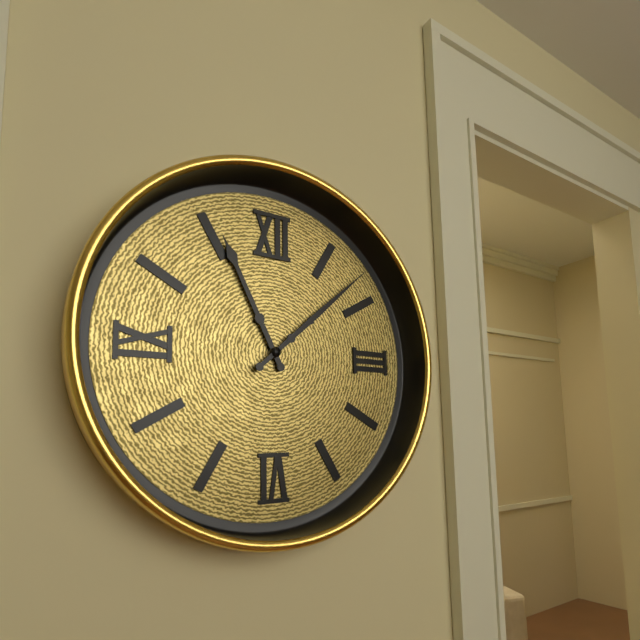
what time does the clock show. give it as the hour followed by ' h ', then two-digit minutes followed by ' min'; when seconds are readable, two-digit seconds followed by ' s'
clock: 11 h 08 min
